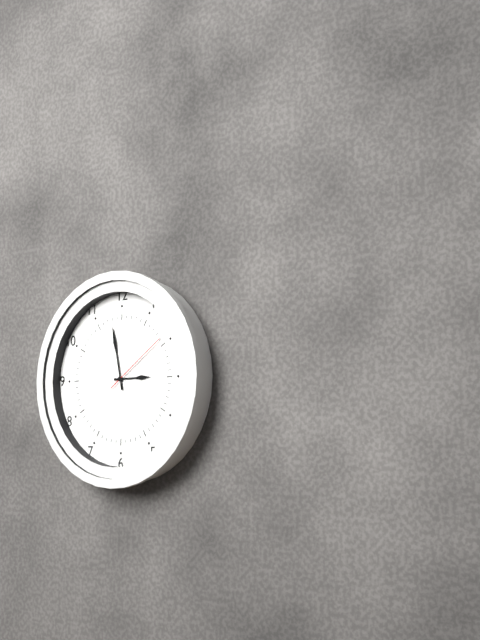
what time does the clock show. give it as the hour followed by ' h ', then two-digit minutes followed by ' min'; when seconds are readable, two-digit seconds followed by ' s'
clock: 2 h 58 min 09 s
